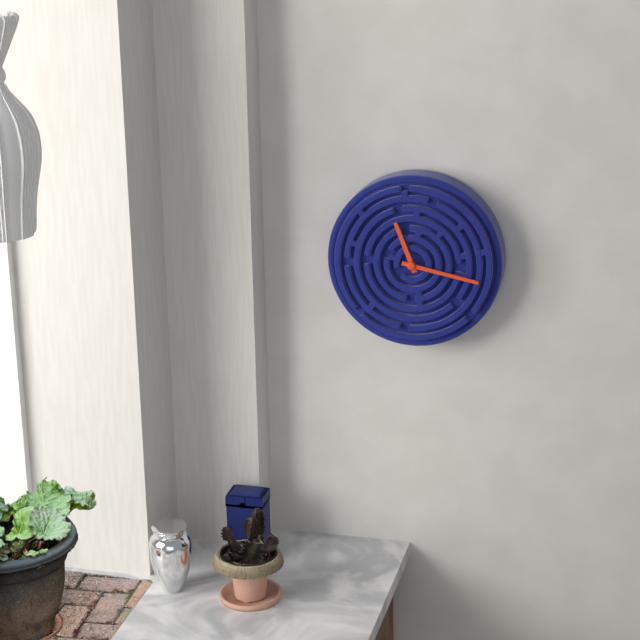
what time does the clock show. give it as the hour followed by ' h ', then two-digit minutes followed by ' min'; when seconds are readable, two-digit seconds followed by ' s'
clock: 11 h 17 min
